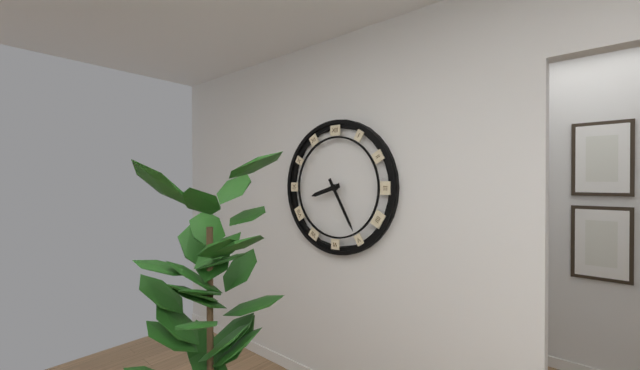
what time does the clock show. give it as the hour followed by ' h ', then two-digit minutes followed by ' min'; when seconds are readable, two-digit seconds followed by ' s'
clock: 8 h 25 min
